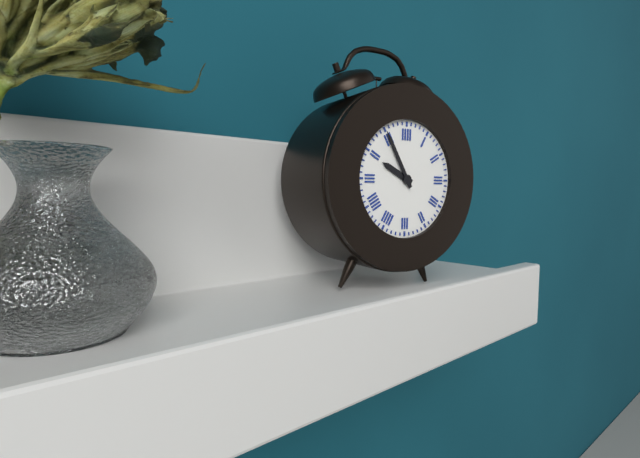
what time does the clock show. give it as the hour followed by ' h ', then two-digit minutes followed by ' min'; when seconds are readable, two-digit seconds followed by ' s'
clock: 9 h 55 min
